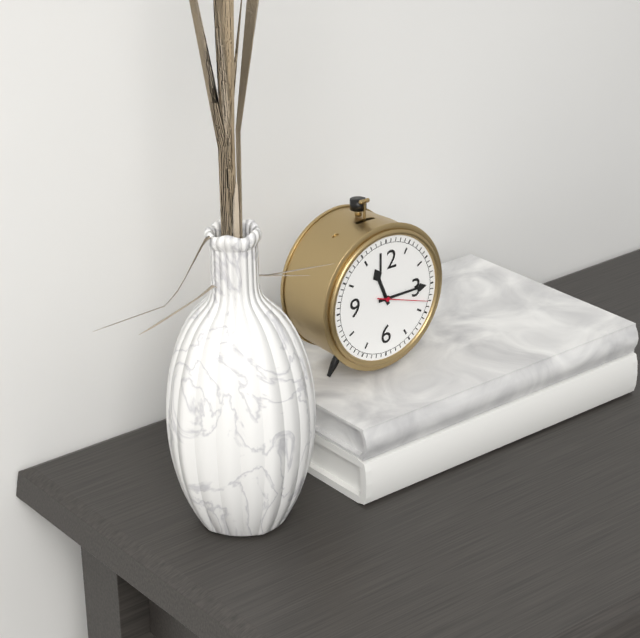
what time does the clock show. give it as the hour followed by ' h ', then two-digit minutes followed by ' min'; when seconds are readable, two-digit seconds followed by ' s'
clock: 11 h 15 min 18 s
